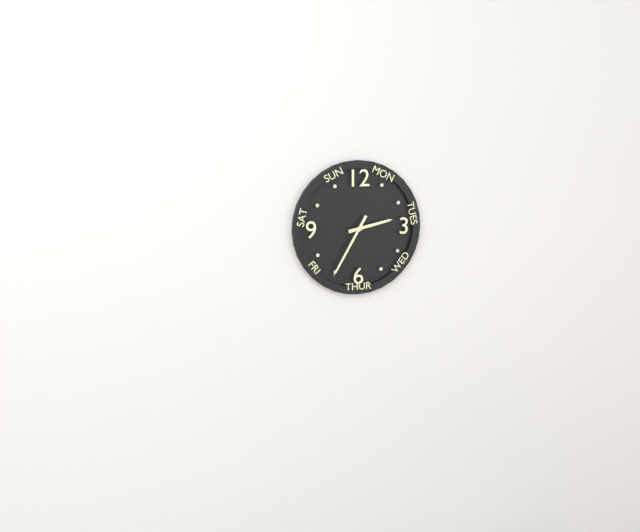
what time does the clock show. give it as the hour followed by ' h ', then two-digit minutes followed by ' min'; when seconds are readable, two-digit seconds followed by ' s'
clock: 2 h 35 min
